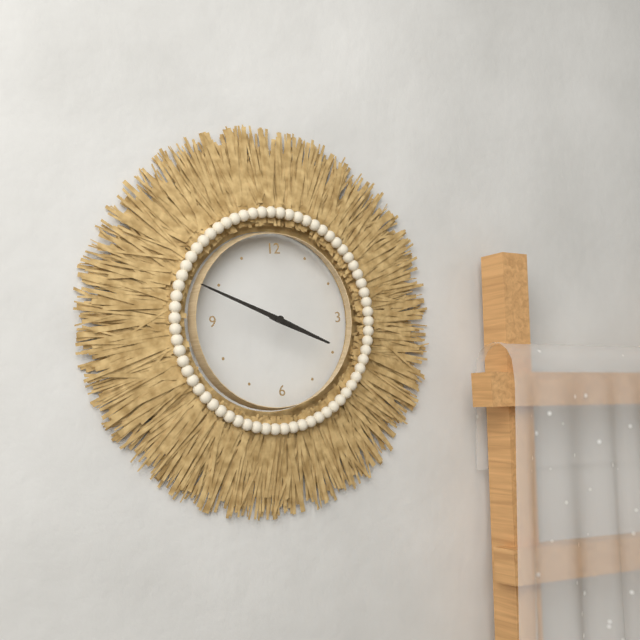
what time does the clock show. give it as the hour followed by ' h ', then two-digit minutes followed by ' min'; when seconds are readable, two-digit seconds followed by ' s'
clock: 3 h 49 min
